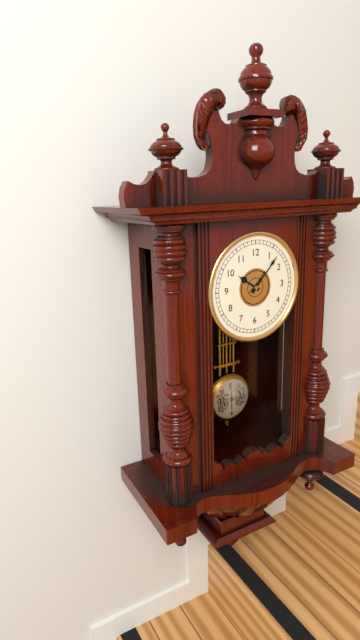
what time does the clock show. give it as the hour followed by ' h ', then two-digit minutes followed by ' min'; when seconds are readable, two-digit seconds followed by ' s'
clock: 10 h 07 min
